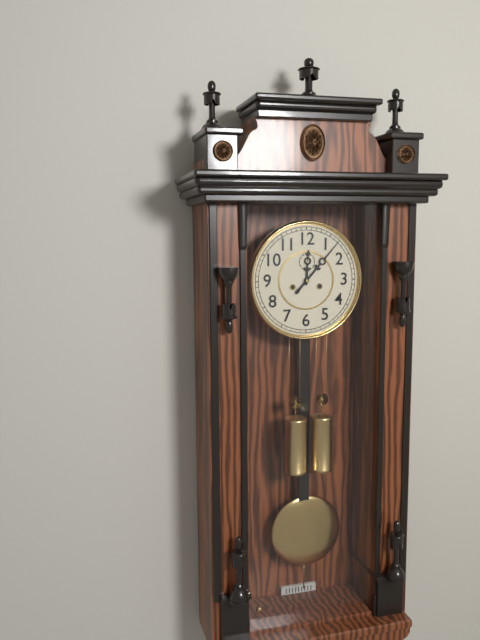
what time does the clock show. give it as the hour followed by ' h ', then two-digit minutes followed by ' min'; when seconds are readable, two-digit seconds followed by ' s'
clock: 12 h 07 min
